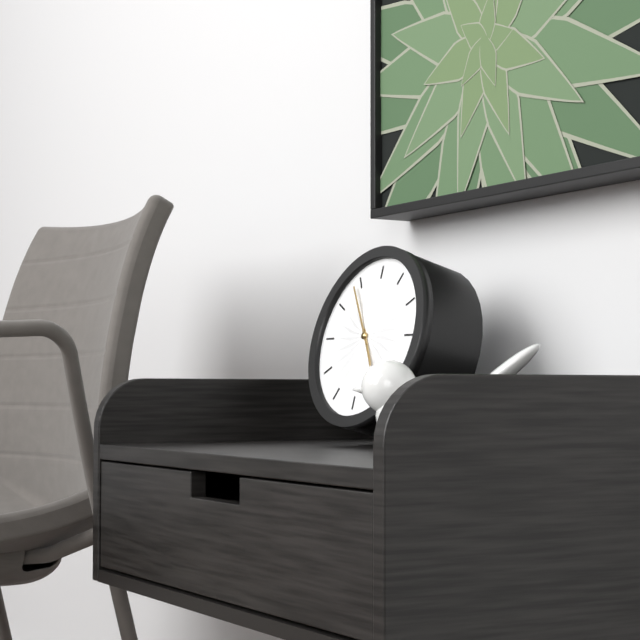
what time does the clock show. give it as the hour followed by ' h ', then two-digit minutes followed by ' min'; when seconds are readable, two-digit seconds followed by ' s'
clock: 4 h 54 min
